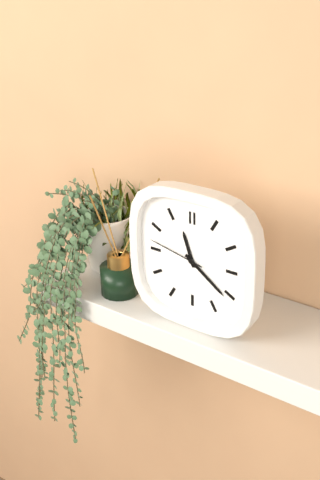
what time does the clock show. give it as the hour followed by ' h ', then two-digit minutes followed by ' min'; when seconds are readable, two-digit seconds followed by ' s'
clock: 11 h 21 min 47 s
